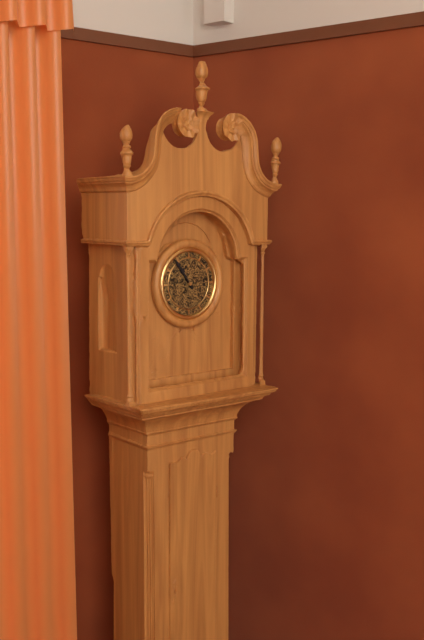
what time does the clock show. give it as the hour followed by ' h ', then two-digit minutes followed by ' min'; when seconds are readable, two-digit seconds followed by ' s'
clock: 10 h 54 min
